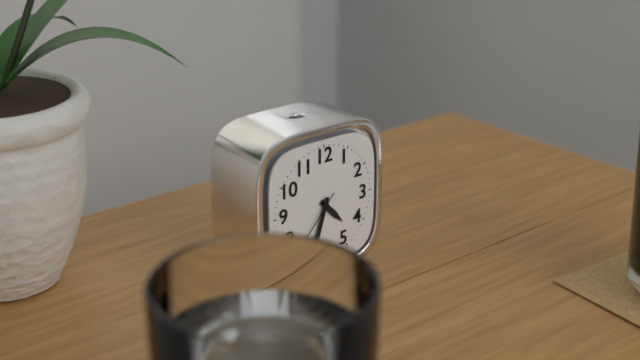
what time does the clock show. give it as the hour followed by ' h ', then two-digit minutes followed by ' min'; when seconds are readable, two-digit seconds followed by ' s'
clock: 4 h 33 min 37 s
